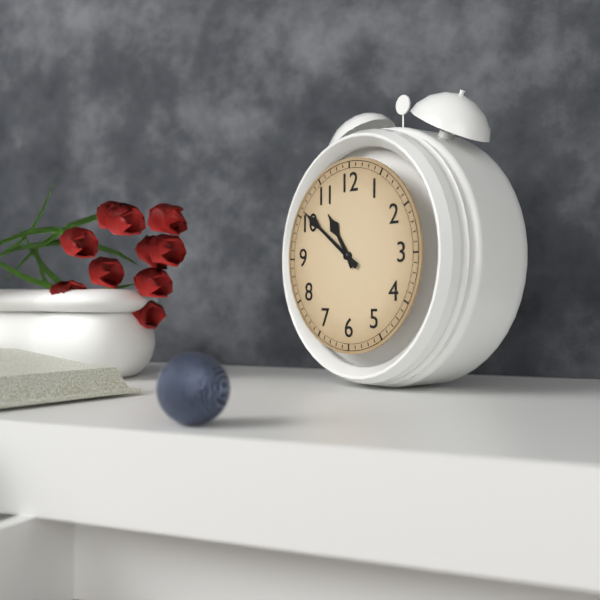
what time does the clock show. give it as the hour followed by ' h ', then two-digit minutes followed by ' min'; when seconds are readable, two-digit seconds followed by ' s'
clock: 10 h 51 min
